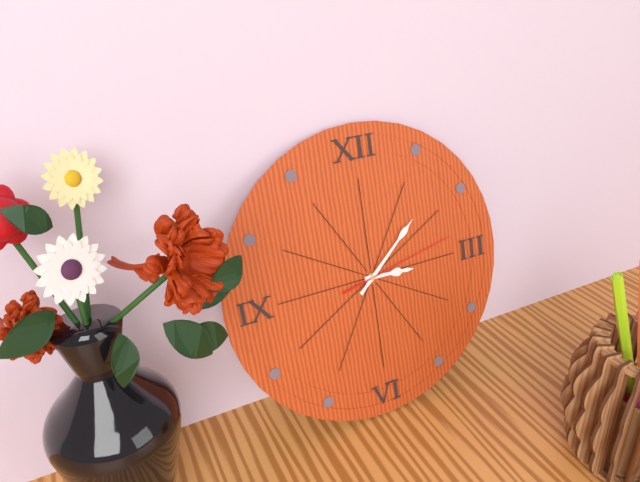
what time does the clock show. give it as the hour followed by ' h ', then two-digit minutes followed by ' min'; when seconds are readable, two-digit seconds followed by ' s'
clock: 3 h 08 min 13 s
